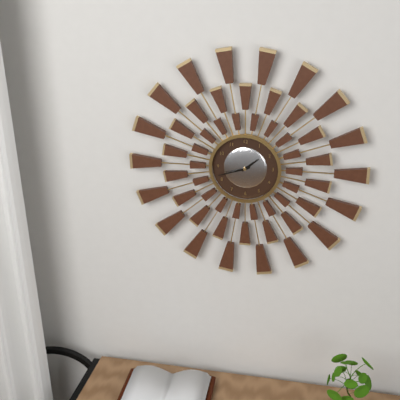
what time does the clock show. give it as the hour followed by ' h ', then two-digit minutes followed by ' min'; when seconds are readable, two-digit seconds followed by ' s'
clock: 1 h 42 min
